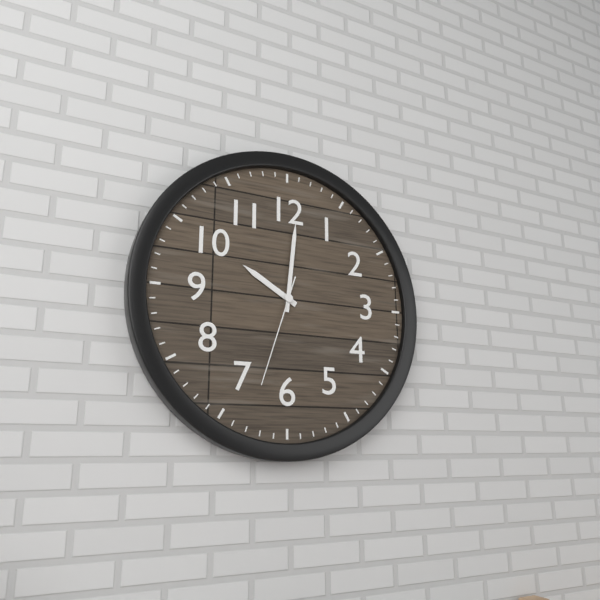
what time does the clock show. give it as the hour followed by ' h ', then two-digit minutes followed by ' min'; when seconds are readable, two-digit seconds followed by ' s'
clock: 10 h 01 min 33 s
